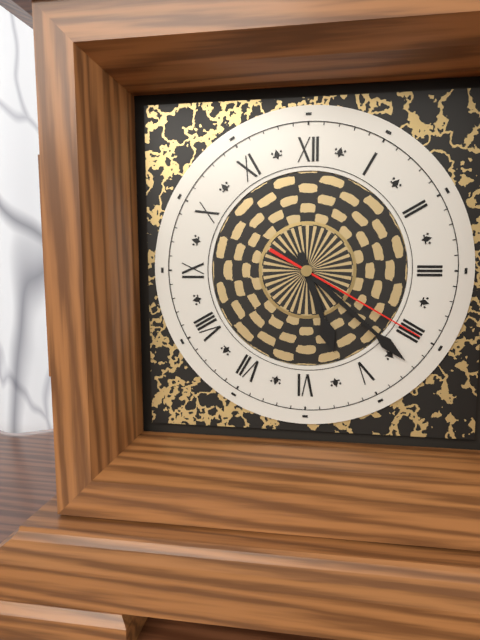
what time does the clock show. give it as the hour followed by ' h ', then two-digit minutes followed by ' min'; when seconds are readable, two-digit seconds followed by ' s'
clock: 5 h 22 min 20 s
